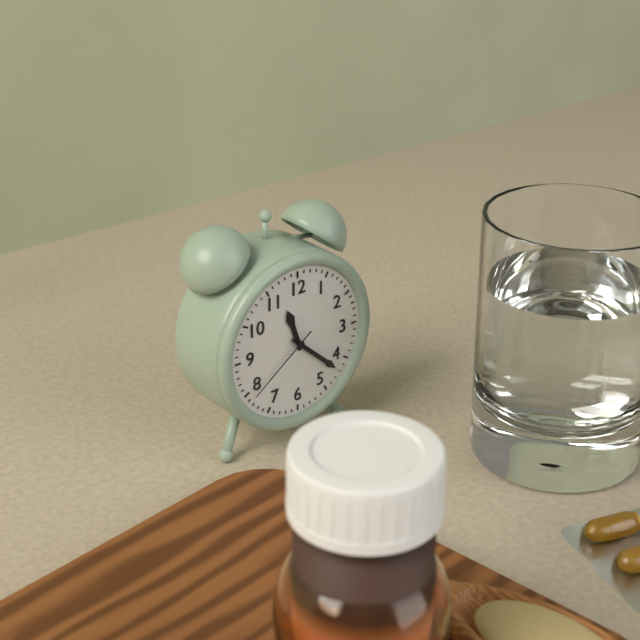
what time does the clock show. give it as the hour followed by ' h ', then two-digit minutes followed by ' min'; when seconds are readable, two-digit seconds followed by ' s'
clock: 11 h 22 min 39 s
